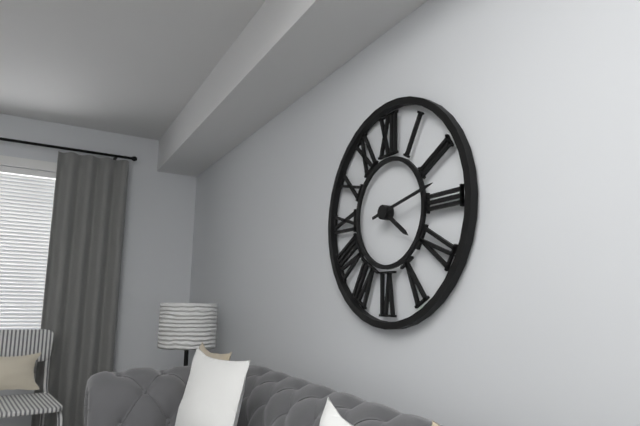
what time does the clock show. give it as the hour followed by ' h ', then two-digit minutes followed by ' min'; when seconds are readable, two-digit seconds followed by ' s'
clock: 4 h 13 min
